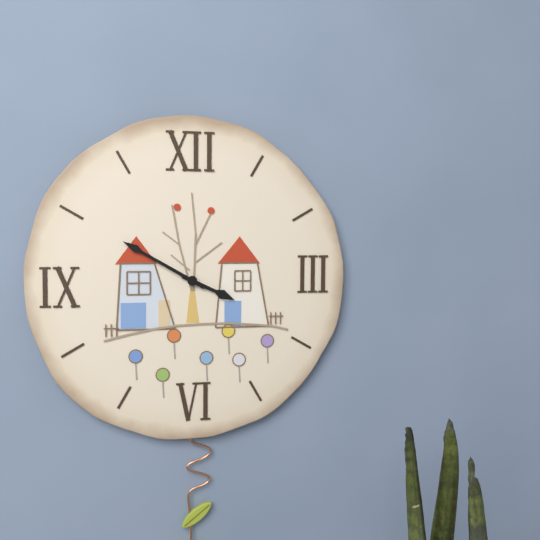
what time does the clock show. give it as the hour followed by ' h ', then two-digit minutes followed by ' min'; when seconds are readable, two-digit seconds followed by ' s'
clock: 3 h 50 min
